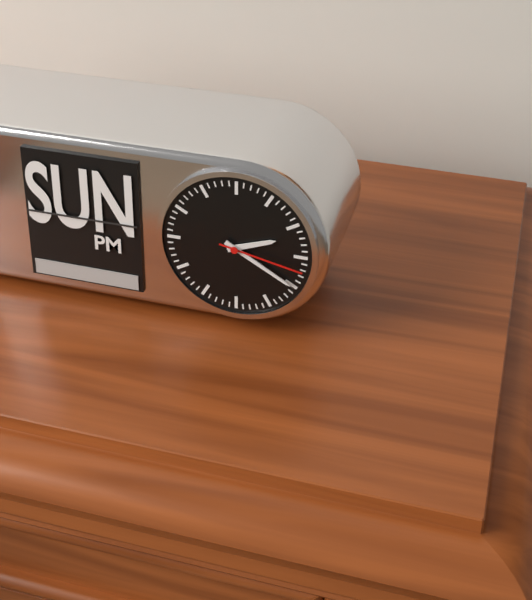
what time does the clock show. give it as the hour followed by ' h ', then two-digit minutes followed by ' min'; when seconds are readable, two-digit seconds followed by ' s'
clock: 2 h 20 min 17 s
